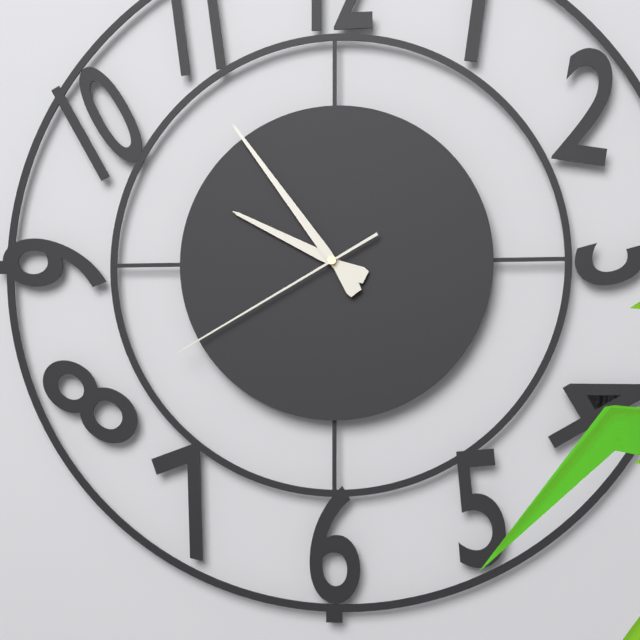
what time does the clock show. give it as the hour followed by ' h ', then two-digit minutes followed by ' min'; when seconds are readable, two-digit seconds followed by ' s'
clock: 9 h 54 min 40 s
